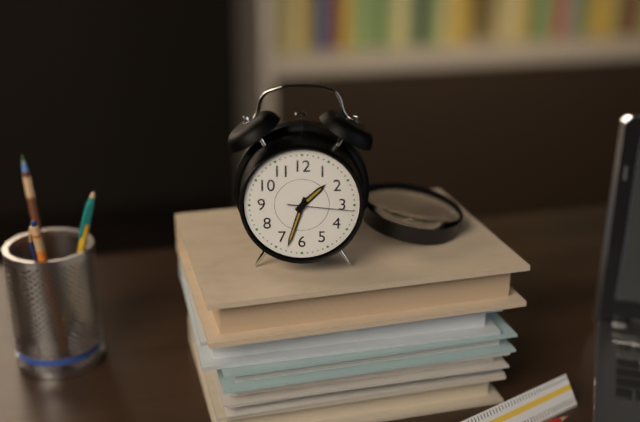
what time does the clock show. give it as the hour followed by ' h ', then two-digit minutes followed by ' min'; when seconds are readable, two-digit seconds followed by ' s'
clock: 1 h 33 min 16 s
